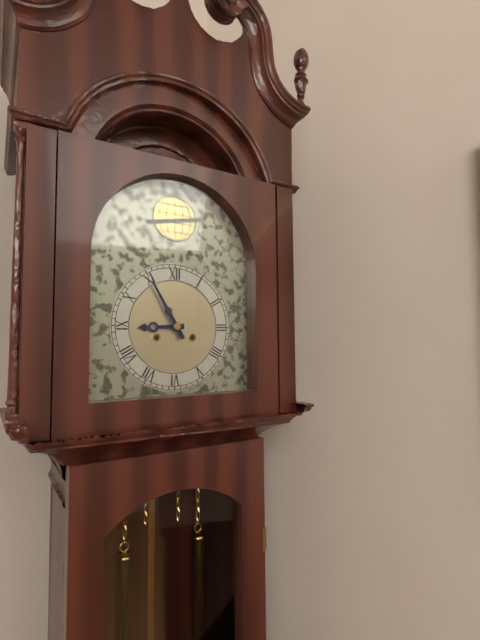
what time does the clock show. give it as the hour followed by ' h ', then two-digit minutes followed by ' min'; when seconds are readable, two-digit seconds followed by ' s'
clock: 8 h 55 min
